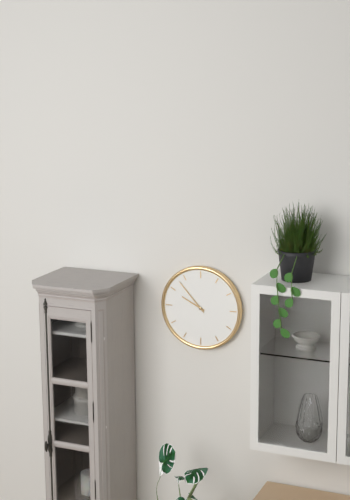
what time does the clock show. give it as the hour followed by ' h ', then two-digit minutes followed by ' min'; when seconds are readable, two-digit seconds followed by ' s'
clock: 9 h 53 min
